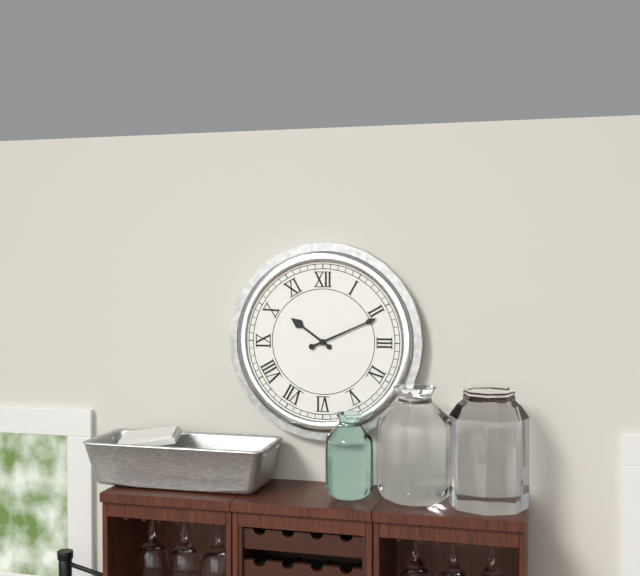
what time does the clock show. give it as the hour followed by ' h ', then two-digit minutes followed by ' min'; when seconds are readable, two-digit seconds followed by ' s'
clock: 10 h 11 min
